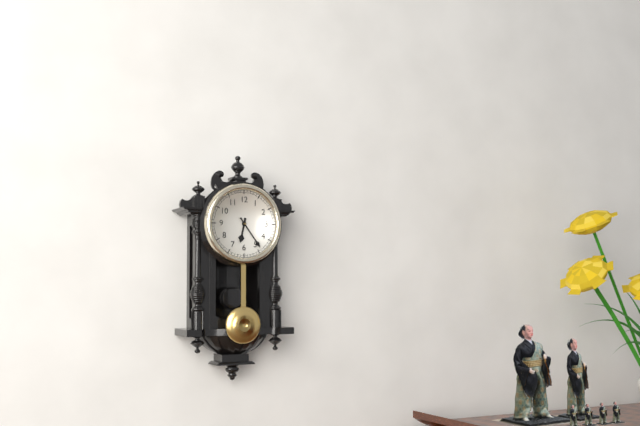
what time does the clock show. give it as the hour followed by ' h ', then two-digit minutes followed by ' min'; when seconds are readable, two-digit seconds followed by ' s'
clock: 6 h 24 min
